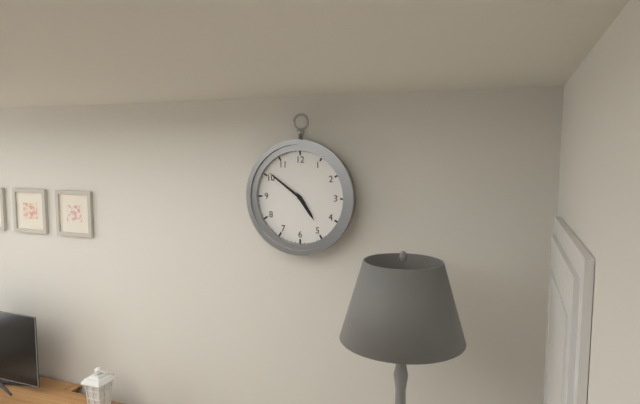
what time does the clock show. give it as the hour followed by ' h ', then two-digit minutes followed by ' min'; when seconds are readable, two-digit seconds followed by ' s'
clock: 4 h 51 min
